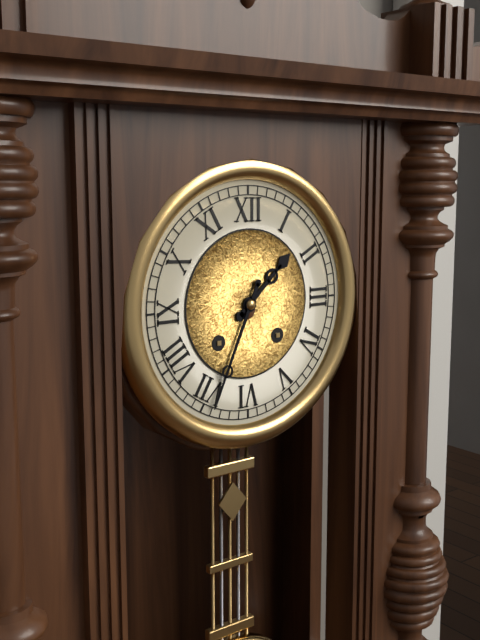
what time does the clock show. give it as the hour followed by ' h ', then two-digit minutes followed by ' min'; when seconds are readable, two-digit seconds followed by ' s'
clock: 1 h 34 min
